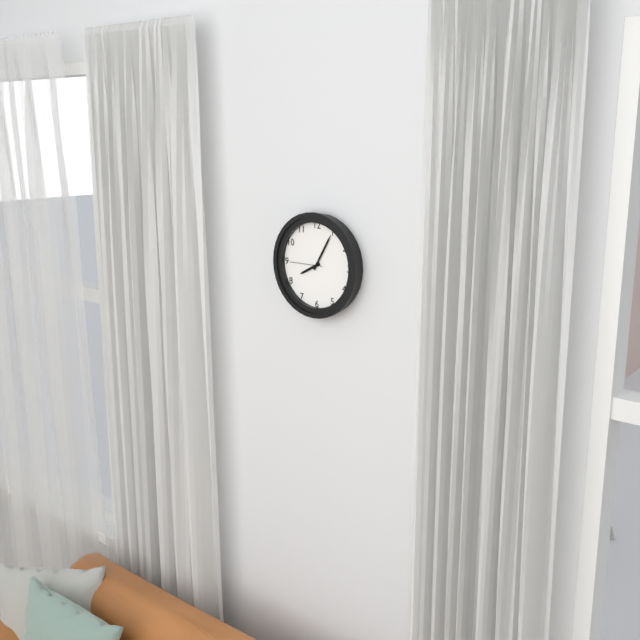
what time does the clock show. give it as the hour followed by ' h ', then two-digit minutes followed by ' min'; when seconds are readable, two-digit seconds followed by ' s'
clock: 8 h 05 min
